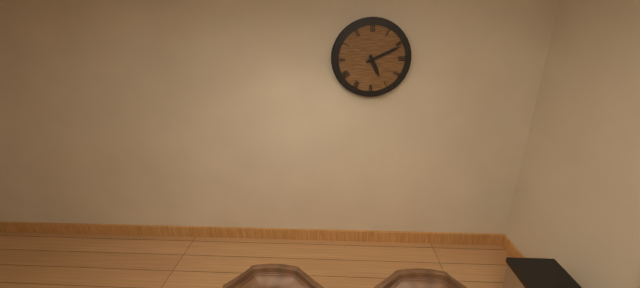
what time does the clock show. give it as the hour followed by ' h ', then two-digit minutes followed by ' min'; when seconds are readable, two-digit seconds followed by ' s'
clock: 5 h 11 min
